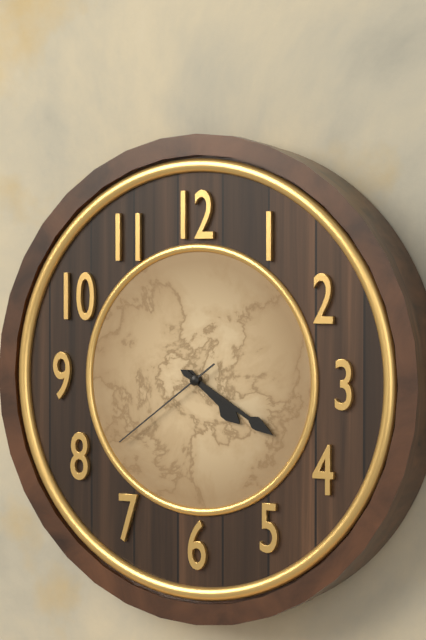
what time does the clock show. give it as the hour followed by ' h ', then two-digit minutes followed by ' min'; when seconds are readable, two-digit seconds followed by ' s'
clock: 4 h 20 min 39 s
